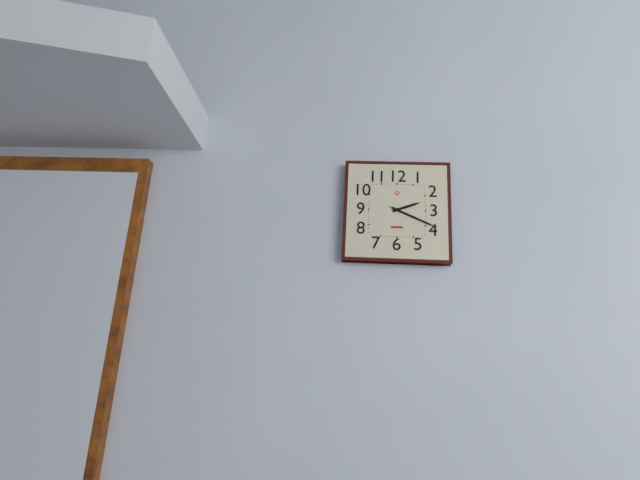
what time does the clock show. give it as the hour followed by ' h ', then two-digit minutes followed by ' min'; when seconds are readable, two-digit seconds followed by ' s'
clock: 2 h 19 min 19 s
